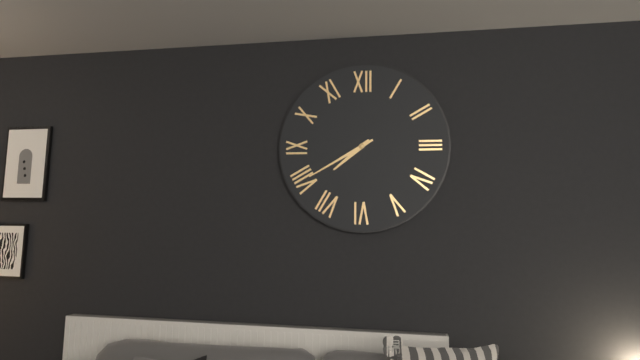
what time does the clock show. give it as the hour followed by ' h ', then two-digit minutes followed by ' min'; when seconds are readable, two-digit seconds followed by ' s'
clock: 7 h 40 min
